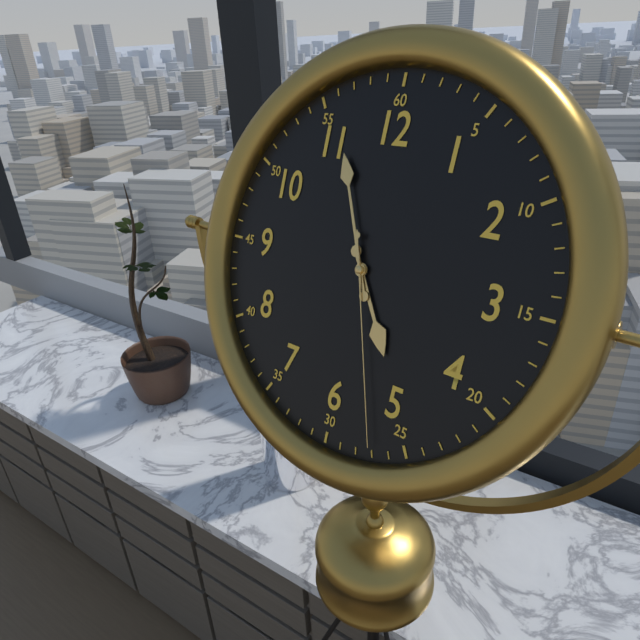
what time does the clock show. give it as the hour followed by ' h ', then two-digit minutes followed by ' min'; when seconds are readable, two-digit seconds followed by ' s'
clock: 4 h 56 min 27 s
